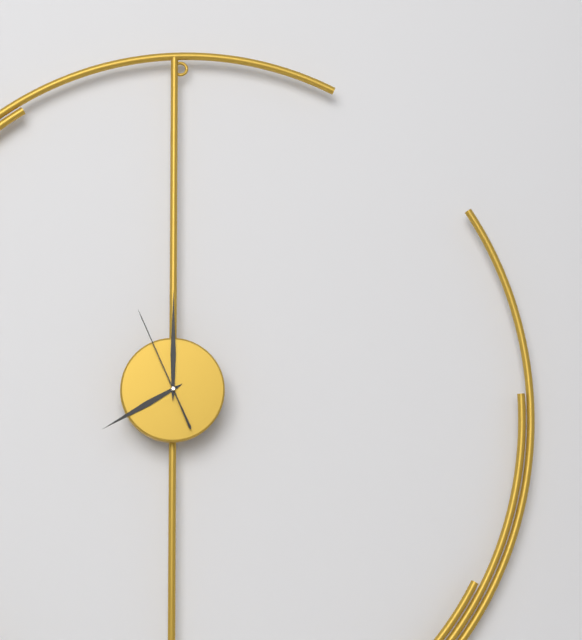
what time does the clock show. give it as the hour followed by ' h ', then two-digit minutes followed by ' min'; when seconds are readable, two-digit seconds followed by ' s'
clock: 8 h 00 min 56 s
